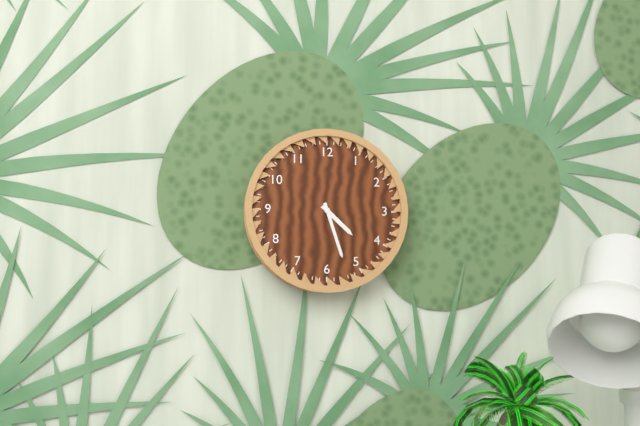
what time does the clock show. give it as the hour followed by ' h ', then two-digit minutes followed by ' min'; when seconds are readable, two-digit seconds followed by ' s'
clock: 4 h 27 min
